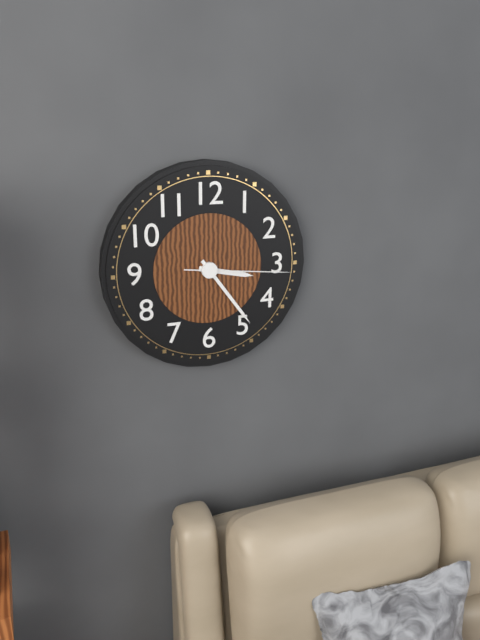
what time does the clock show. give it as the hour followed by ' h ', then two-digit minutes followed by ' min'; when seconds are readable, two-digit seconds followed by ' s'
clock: 3 h 24 min 16 s
